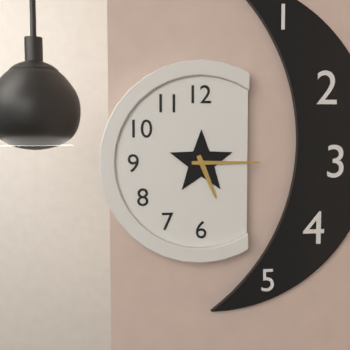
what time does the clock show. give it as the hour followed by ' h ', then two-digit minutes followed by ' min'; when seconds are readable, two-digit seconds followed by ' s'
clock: 5 h 15 min
